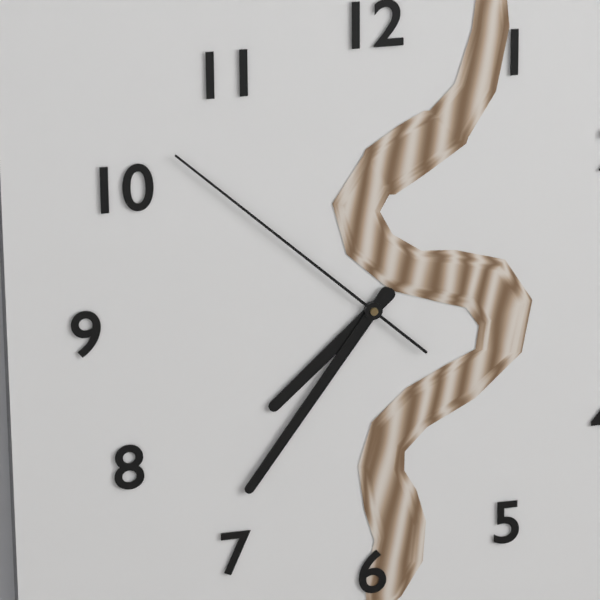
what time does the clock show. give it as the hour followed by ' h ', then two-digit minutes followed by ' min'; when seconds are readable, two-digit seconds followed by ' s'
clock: 7 h 36 min 52 s
